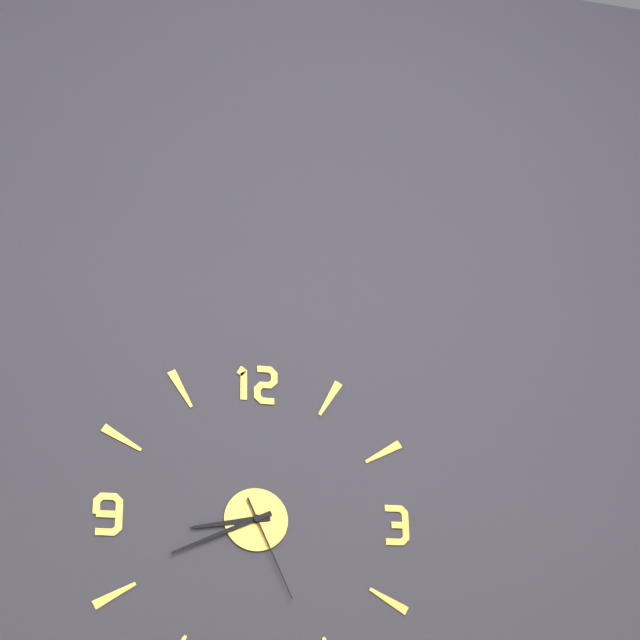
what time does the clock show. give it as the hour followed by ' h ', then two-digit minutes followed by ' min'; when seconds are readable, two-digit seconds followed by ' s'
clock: 8 h 41 min 26 s
